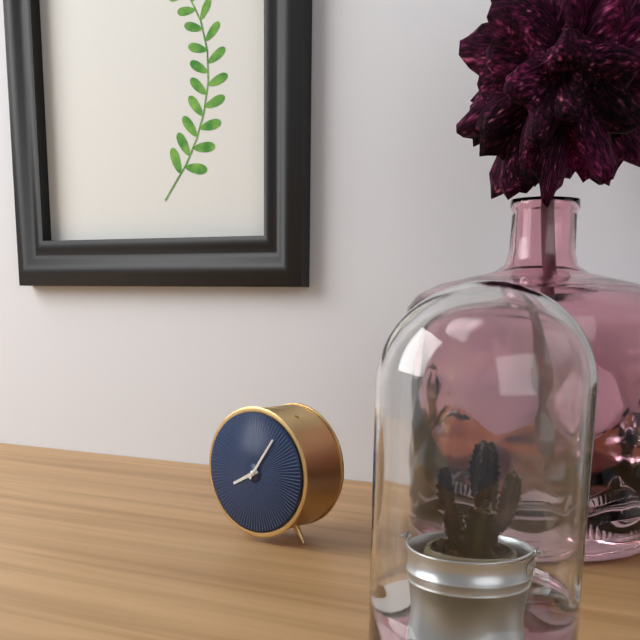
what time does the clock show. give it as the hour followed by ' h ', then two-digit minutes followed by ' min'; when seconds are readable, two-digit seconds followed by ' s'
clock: 8 h 06 min
